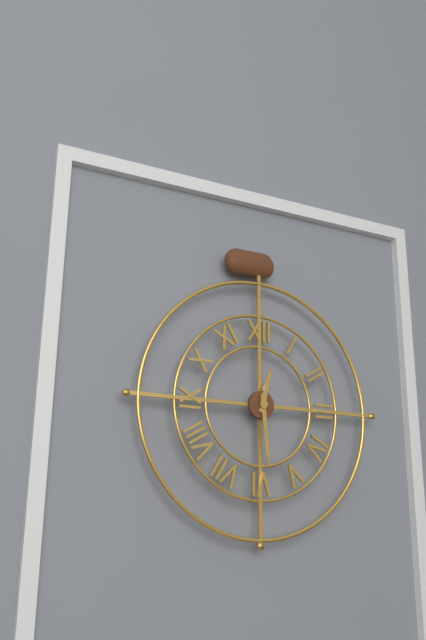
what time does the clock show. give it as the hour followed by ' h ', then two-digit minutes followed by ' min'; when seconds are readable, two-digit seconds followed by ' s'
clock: 12 h 29 min
